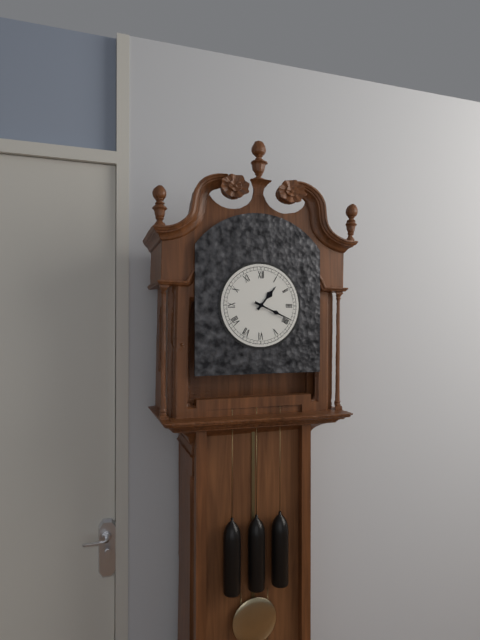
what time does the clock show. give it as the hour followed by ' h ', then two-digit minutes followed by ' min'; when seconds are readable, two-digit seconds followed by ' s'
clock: 1 h 19 min
